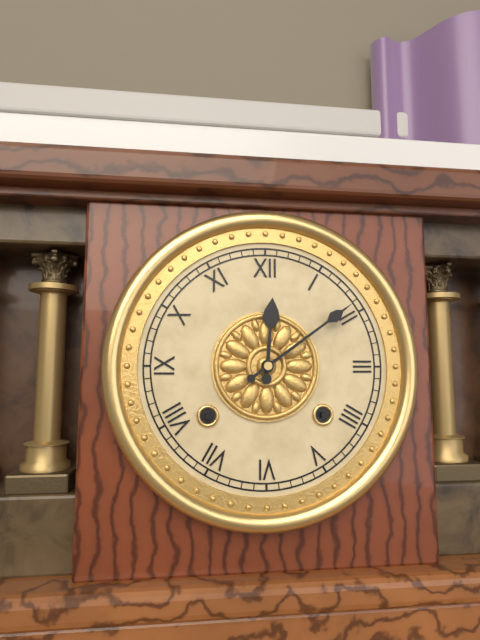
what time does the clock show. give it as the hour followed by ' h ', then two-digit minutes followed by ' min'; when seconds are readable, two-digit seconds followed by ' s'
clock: 12 h 09 min
